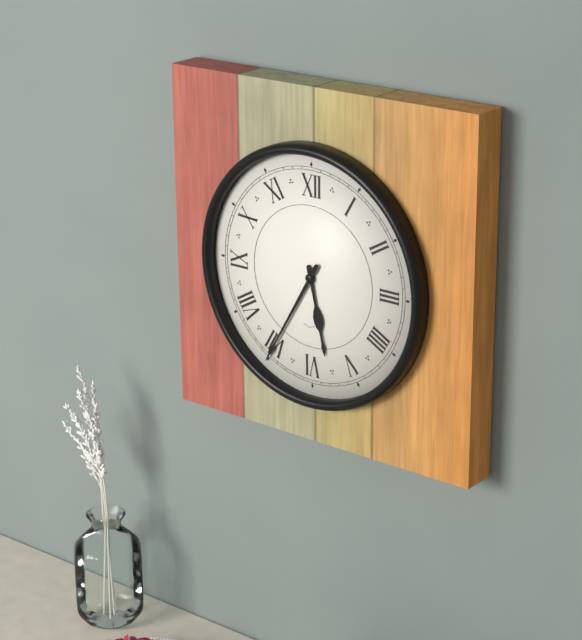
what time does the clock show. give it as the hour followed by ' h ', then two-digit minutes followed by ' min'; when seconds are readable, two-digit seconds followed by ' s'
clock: 5 h 35 min
